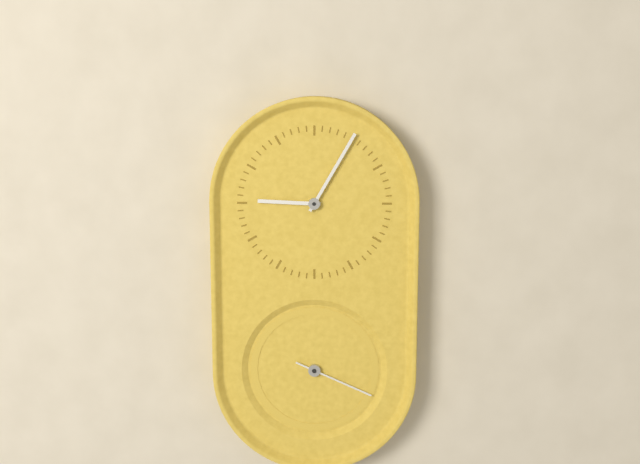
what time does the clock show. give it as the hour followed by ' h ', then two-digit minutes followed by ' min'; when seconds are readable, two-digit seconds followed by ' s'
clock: 9 h 05 min 19 s
